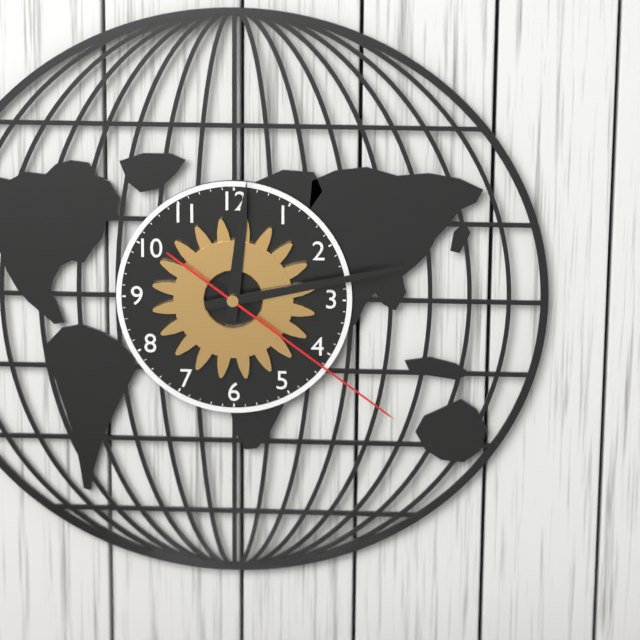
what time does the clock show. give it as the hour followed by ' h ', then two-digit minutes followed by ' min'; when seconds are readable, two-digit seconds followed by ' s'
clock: 12 h 13 min 21 s
